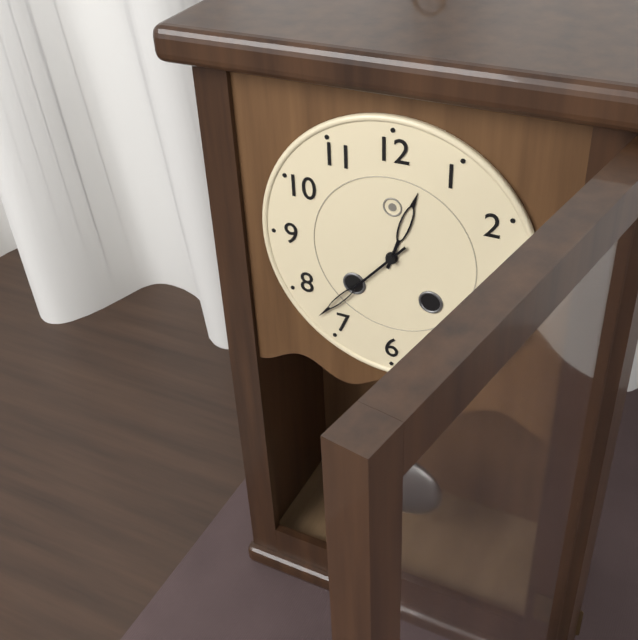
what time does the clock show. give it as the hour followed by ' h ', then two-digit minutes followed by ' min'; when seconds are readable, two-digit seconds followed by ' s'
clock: 12 h 37 min
